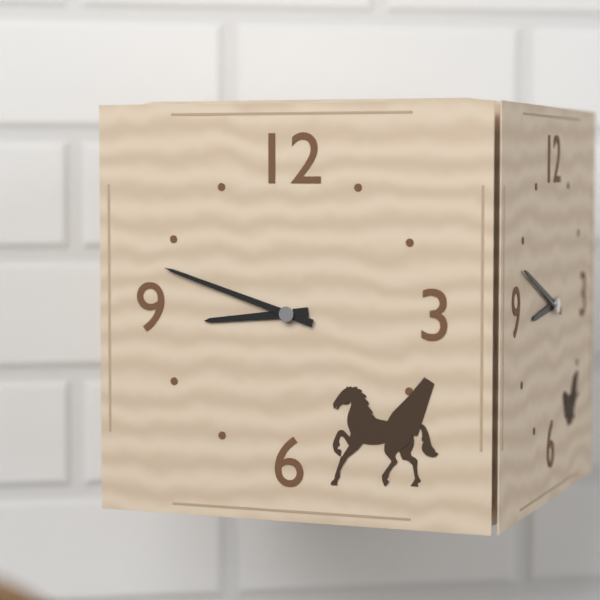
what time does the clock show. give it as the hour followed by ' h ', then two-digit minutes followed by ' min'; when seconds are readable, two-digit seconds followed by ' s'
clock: 8 h 48 min
